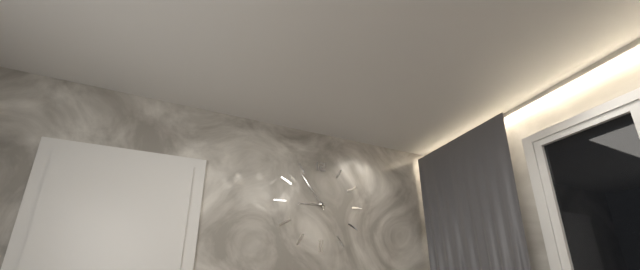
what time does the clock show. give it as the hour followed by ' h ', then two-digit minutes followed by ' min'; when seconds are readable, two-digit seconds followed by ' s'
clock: 8 h 54 min
